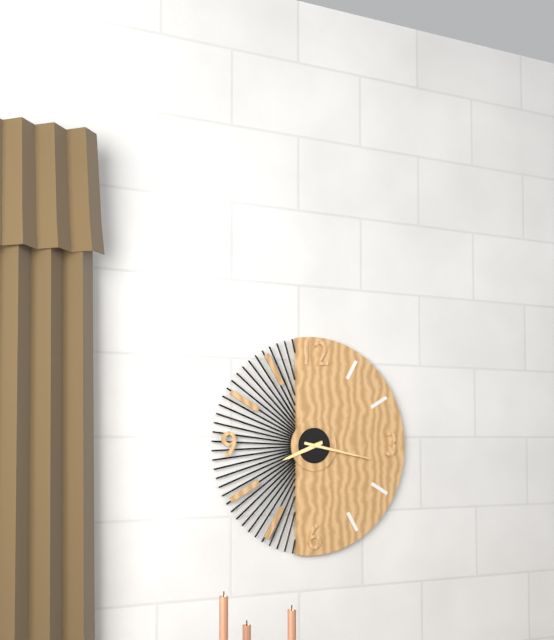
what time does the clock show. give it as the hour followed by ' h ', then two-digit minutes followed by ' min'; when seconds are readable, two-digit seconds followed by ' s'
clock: 8 h 17 min
